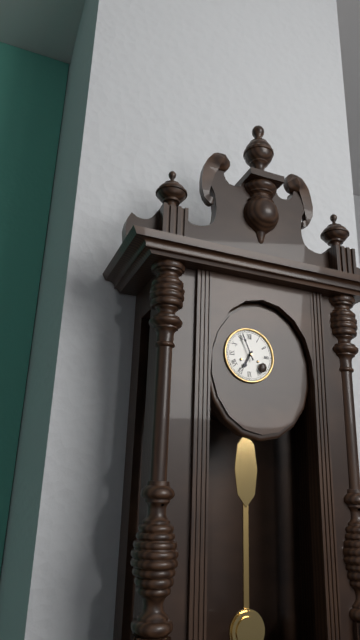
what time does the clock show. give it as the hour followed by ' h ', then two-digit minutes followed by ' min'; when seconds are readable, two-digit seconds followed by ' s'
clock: 6 h 56 min
